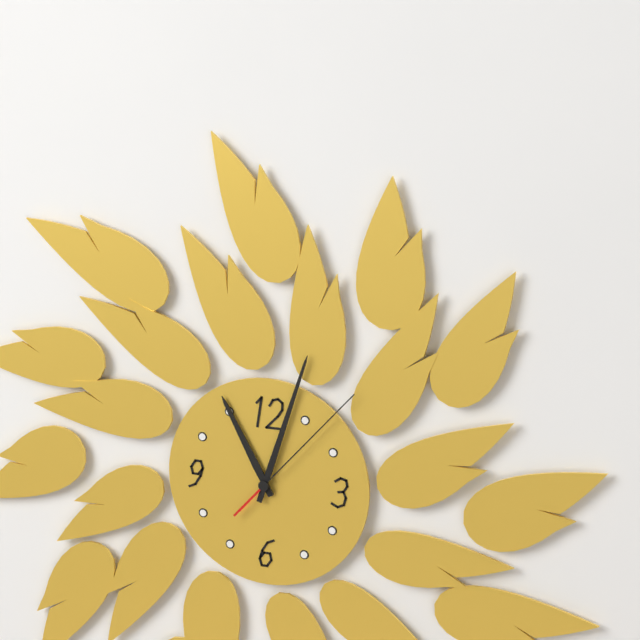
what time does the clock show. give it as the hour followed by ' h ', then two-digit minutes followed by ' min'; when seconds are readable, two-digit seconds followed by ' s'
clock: 11 h 03 min 07 s
